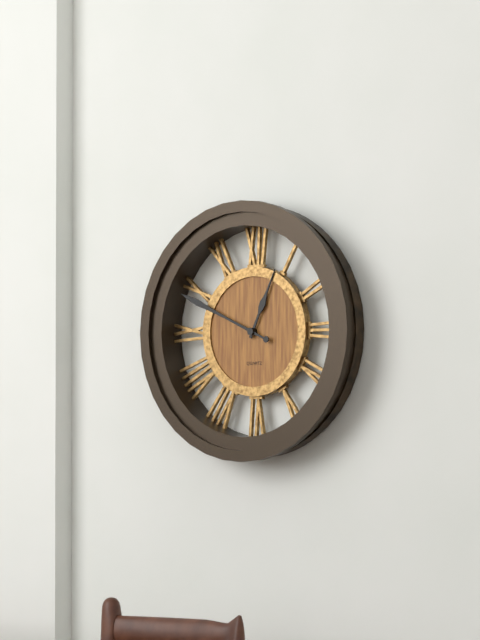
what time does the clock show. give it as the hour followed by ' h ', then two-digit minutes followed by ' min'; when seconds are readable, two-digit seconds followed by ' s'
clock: 12 h 49 min
